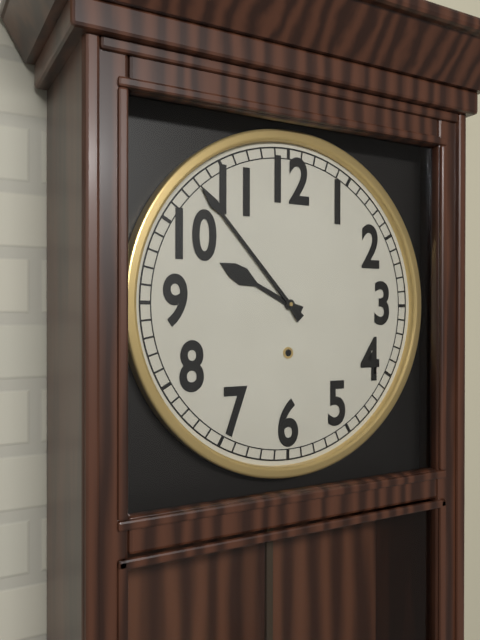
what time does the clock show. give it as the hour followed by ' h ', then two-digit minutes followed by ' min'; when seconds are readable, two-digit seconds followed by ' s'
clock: 9 h 53 min
